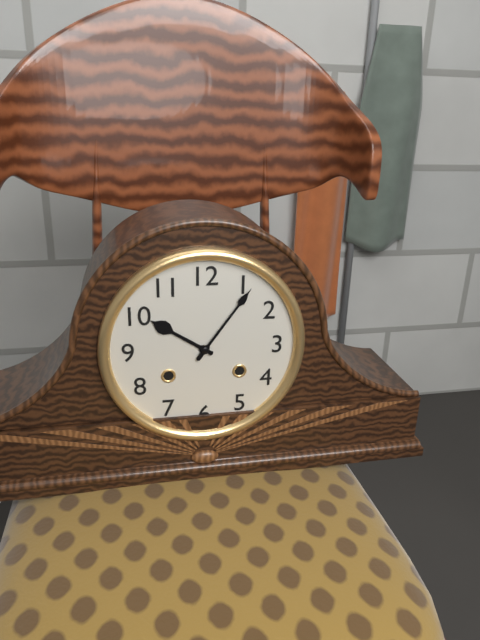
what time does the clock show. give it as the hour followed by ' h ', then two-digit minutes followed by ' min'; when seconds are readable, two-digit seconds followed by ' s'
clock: 10 h 06 min
